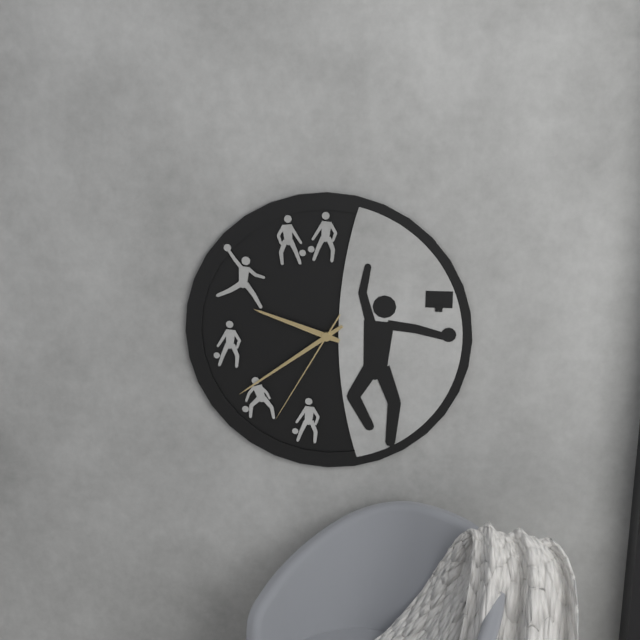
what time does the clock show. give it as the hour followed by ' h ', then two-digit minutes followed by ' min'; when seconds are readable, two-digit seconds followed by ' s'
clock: 9 h 39 min 35 s
